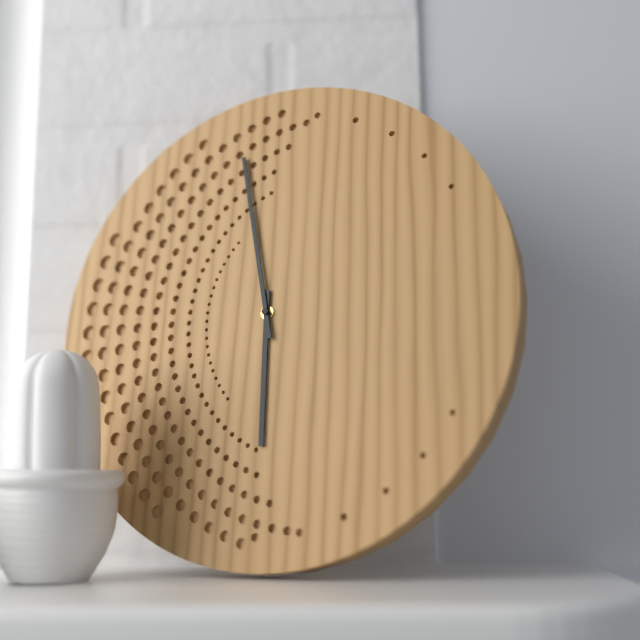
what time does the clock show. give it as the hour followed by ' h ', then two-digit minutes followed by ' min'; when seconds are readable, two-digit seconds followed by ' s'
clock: 5 h 58 min
